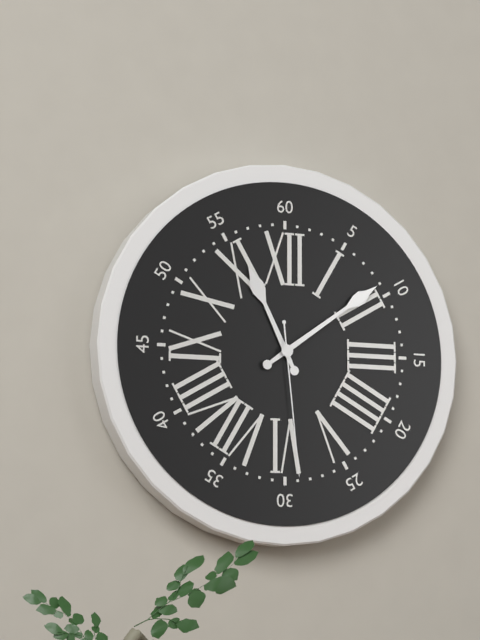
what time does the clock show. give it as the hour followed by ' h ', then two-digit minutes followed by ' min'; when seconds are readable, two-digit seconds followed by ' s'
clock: 11 h 09 min 29 s
